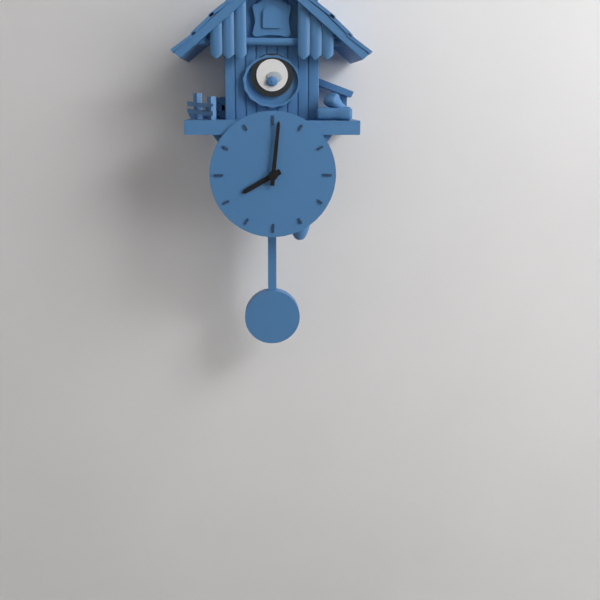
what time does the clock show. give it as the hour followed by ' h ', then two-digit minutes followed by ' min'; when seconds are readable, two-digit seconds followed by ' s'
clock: 8 h 01 min
